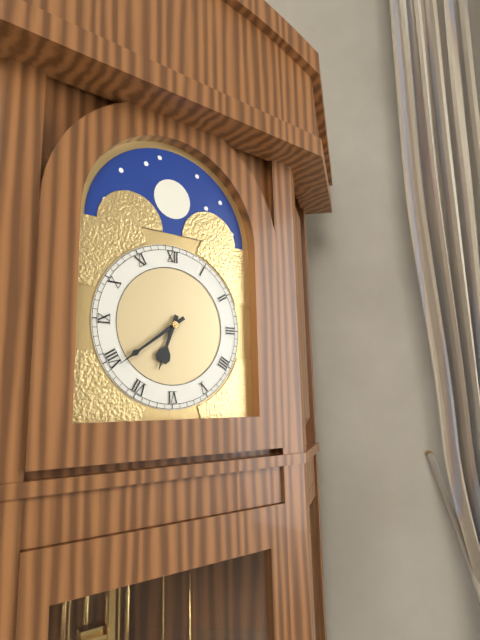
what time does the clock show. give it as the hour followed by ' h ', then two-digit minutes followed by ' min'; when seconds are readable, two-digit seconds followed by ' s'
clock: 6 h 39 min
